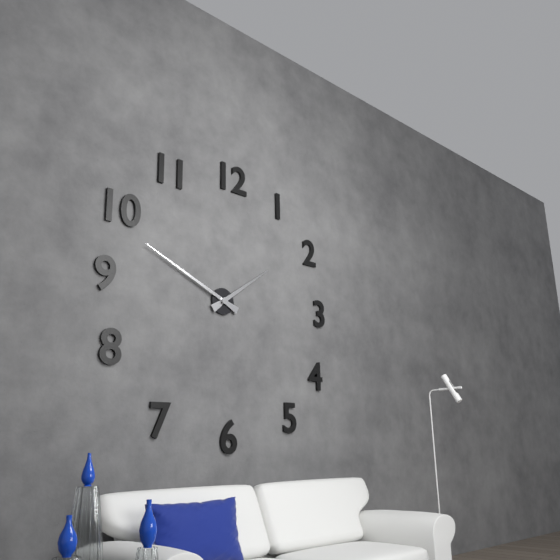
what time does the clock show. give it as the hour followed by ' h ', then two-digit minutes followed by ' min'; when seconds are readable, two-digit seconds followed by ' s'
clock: 1 h 49 min
